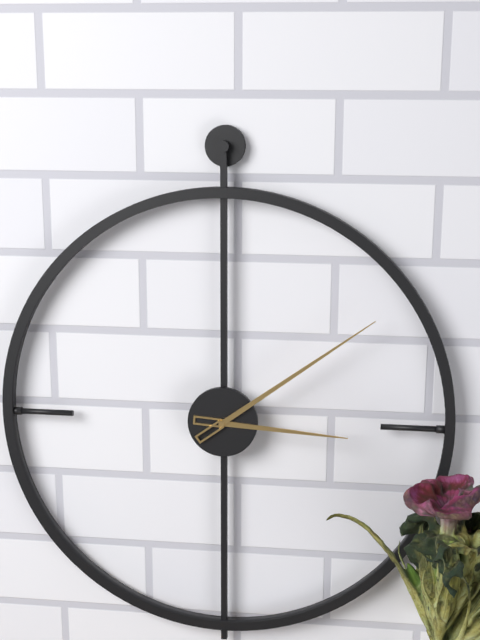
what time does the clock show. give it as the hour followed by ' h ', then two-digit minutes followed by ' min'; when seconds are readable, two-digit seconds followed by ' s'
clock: 3 h 09 min
